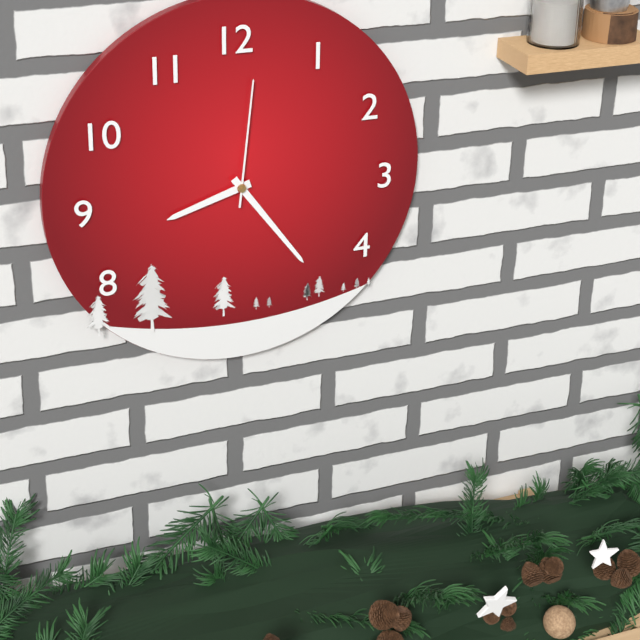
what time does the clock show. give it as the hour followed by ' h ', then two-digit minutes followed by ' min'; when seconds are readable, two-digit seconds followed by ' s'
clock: 8 h 24 min 01 s
